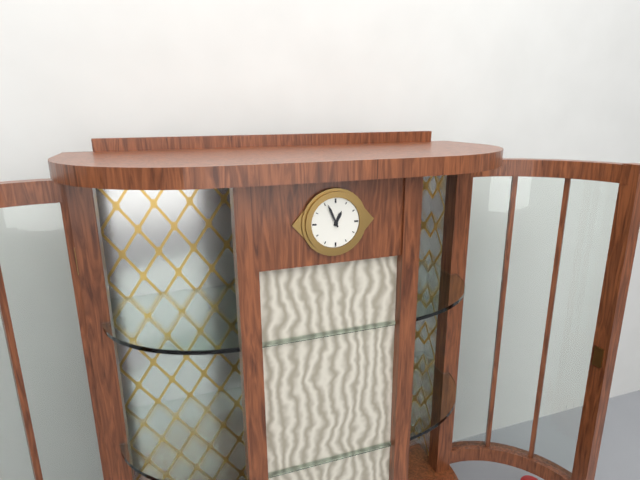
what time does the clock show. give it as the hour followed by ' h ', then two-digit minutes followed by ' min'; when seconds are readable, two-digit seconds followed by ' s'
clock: 12 h 56 min
